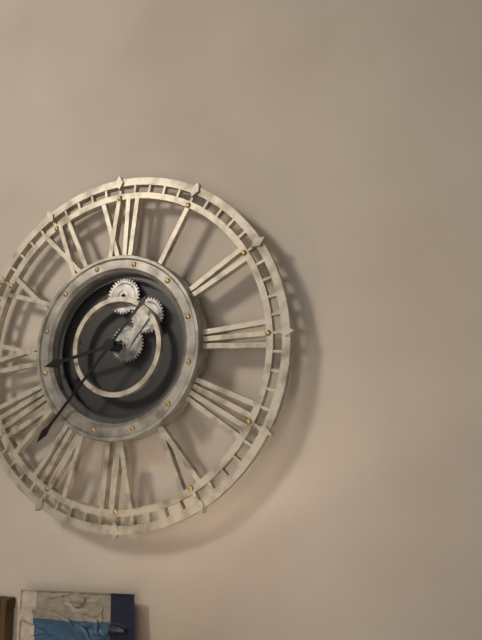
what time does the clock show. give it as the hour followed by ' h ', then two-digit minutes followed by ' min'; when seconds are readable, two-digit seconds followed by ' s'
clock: 8 h 37 min
